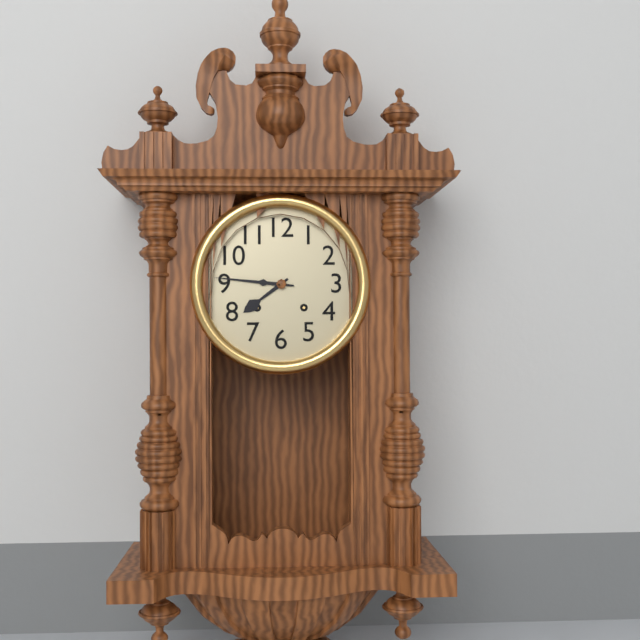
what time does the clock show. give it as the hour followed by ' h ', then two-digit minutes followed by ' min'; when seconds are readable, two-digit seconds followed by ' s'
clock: 7 h 46 min
